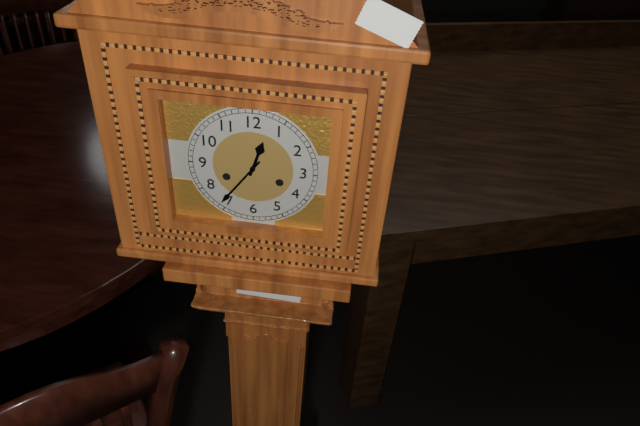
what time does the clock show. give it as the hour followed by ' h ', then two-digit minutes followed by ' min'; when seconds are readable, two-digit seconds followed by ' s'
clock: 12 h 36 min
